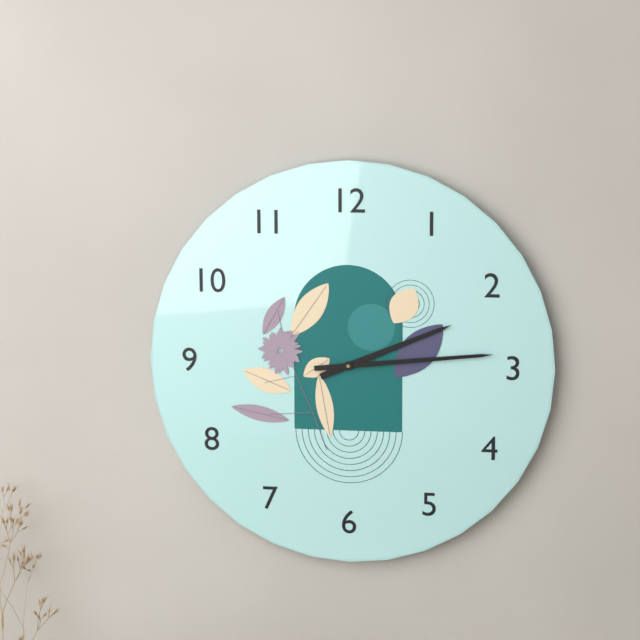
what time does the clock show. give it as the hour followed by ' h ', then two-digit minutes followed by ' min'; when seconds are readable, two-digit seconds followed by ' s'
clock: 2 h 14 min
